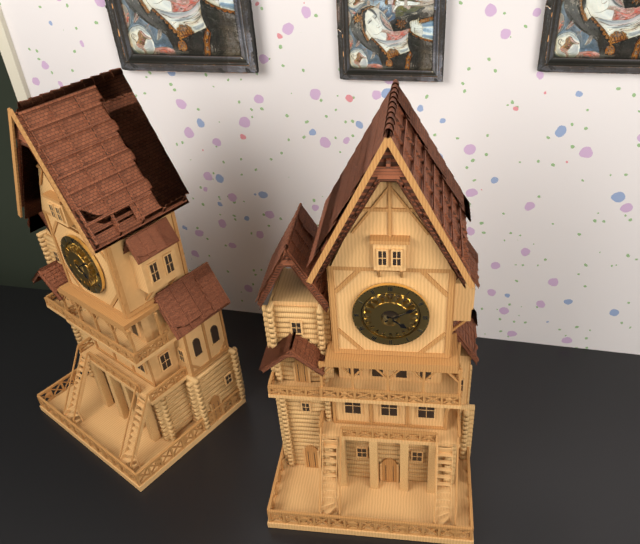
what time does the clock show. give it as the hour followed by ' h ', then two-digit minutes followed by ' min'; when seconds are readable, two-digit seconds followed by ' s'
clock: 4 h 10 min
